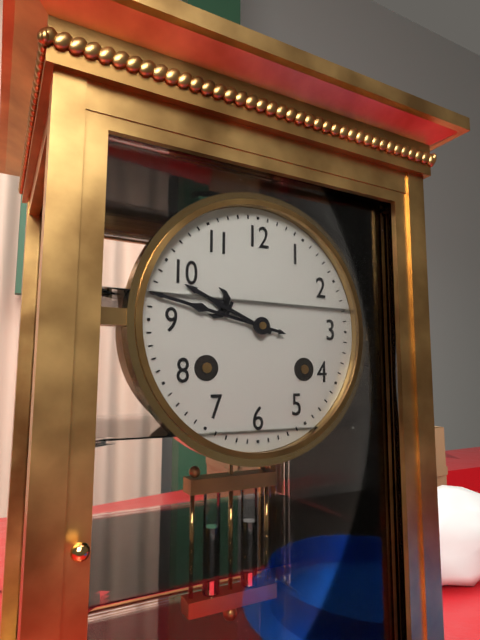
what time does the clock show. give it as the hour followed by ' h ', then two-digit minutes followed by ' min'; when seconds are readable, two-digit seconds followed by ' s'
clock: 9 h 47 min
